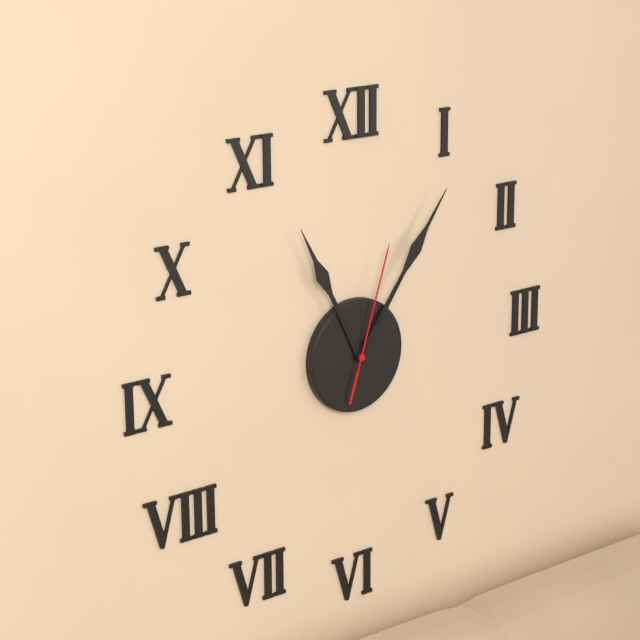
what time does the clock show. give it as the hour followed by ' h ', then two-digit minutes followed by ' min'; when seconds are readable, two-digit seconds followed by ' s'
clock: 11 h 06 min 03 s
